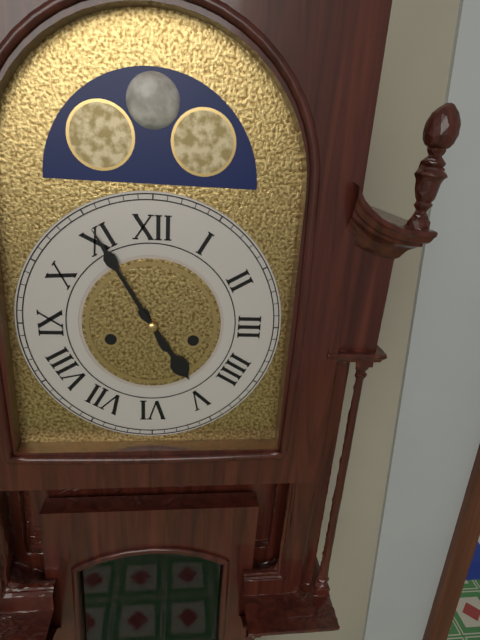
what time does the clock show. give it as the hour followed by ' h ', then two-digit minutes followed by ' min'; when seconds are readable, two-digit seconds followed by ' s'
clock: 4 h 55 min
